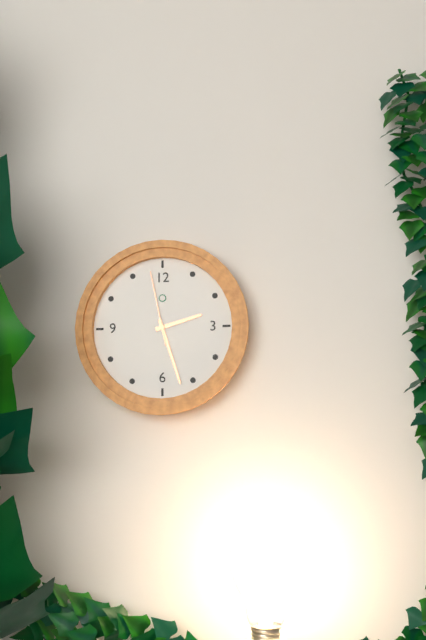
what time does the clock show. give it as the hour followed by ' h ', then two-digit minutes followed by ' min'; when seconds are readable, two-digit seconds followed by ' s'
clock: 2 h 27 min 58 s
